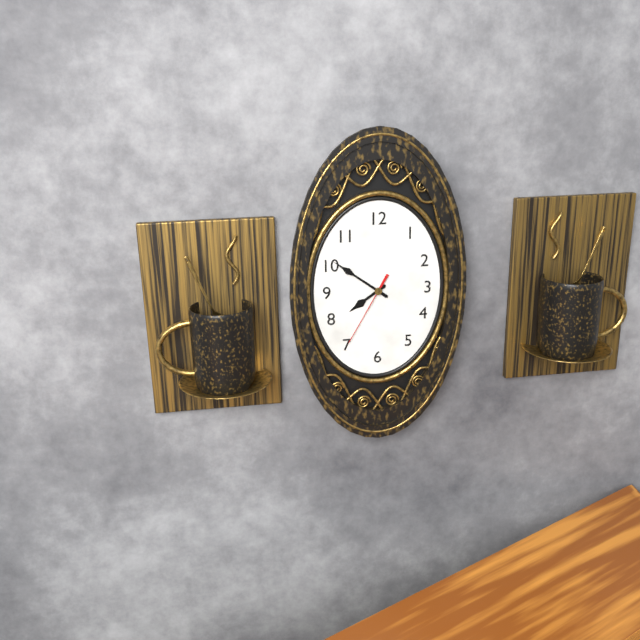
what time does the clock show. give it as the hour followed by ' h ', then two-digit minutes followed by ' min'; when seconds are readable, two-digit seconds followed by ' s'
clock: 7 h 51 min 35 s
